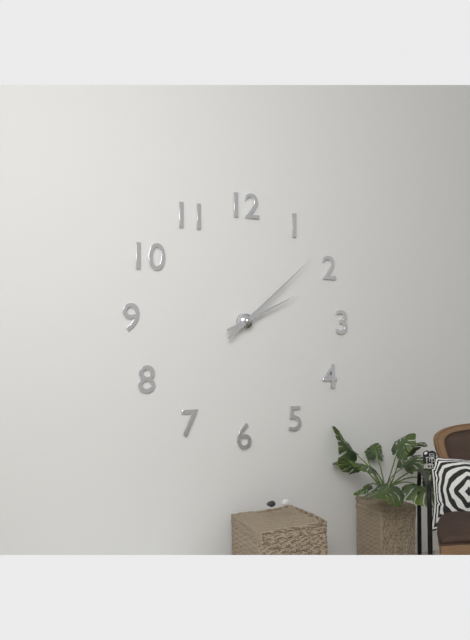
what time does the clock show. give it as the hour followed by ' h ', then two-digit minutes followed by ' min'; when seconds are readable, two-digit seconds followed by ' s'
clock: 2 h 08 min
